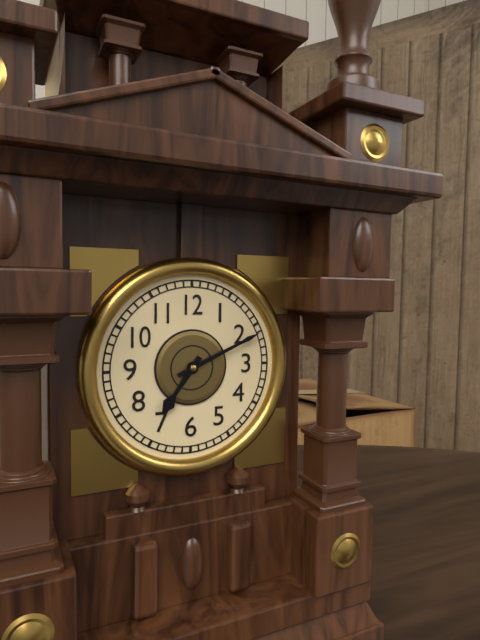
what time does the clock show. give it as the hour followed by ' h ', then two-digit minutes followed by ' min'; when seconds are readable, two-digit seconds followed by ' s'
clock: 7 h 11 min
